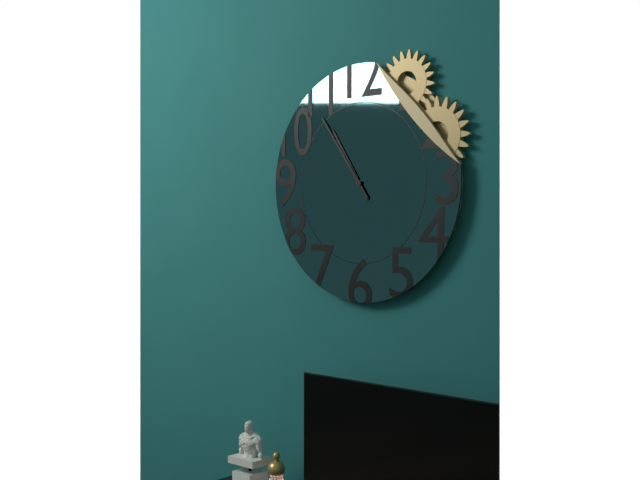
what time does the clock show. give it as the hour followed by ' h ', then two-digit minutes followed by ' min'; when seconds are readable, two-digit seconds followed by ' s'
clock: 10 h 54 min
